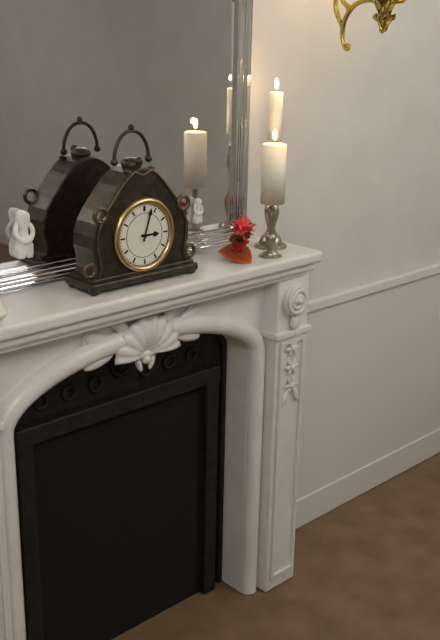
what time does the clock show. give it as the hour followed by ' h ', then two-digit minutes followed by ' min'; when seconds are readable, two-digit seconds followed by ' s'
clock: 3 h 03 min
